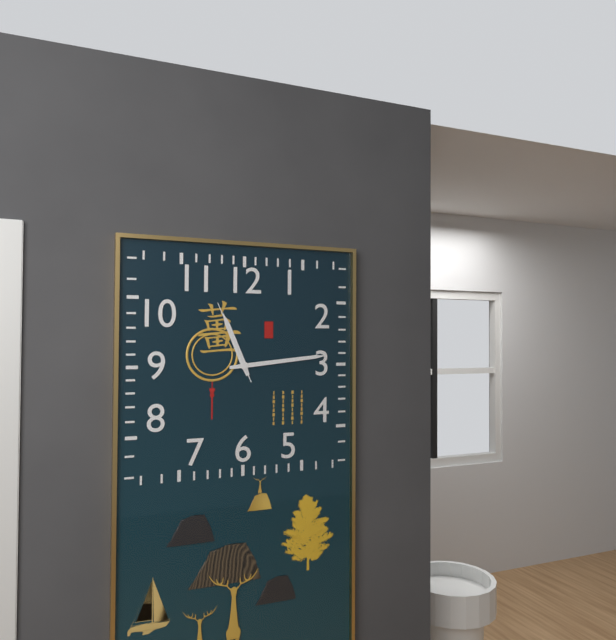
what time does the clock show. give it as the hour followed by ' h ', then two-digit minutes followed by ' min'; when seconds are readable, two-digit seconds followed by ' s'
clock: 11 h 14 min 56 s
